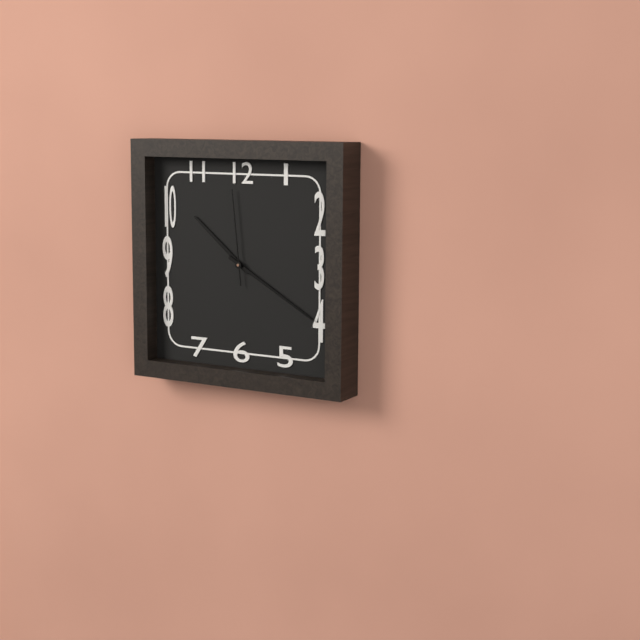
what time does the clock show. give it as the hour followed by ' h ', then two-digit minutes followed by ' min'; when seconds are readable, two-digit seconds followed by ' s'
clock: 10 h 20 min 59 s
